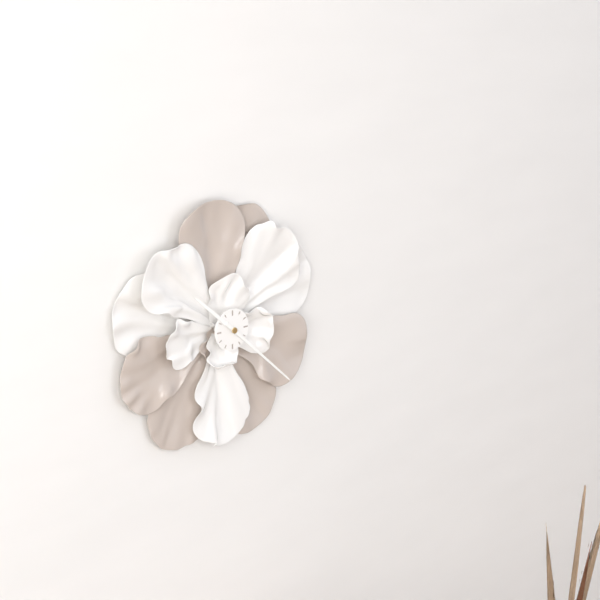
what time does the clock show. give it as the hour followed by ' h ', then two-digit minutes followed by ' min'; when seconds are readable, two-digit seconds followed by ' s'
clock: 10 h 22 min
